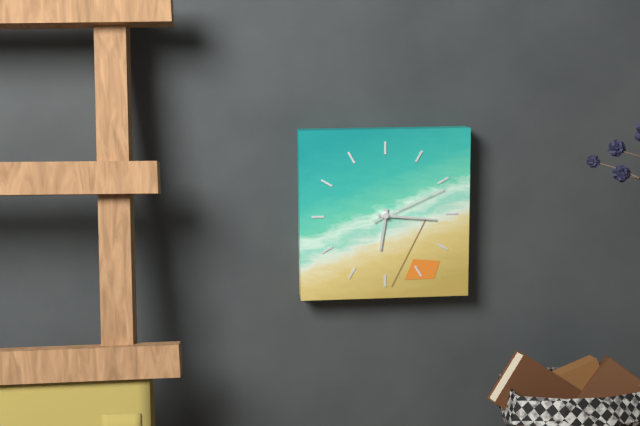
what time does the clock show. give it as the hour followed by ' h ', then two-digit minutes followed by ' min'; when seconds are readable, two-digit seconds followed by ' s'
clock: 6 h 16 min 11 s
